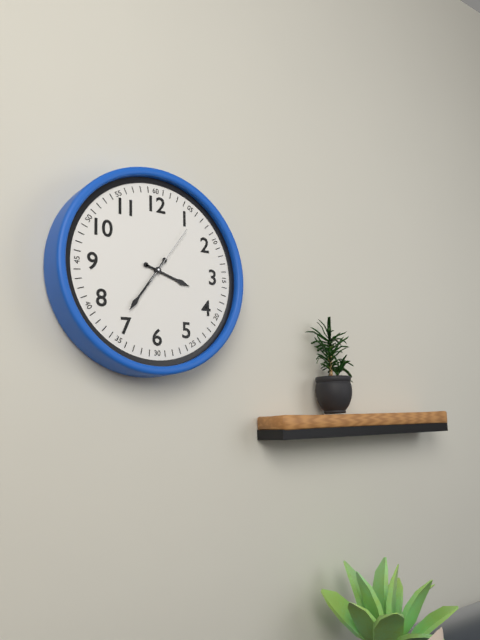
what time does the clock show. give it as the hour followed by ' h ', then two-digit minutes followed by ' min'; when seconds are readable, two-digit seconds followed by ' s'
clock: 3 h 36 min 06 s
